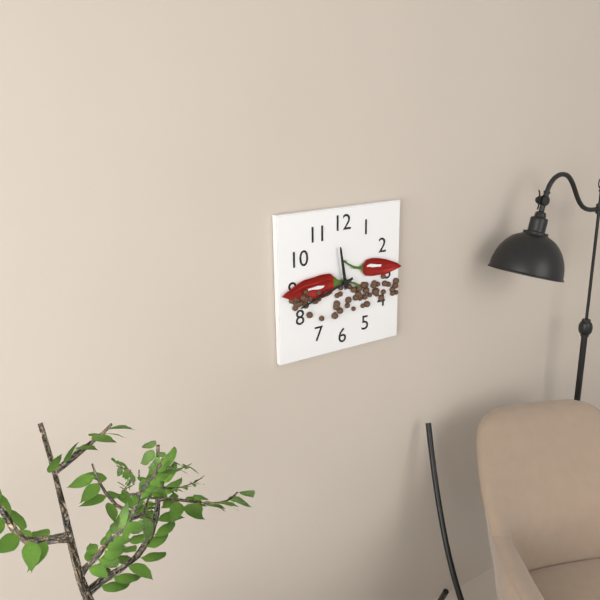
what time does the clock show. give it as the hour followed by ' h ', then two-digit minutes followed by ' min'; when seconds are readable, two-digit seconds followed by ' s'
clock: 11 h 42 min
